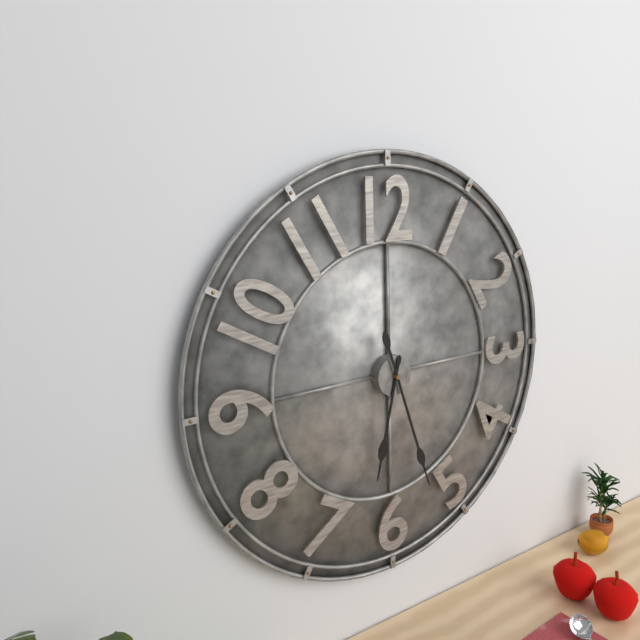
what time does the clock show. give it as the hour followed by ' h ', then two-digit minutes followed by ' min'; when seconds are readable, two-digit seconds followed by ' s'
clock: 6 h 27 min
